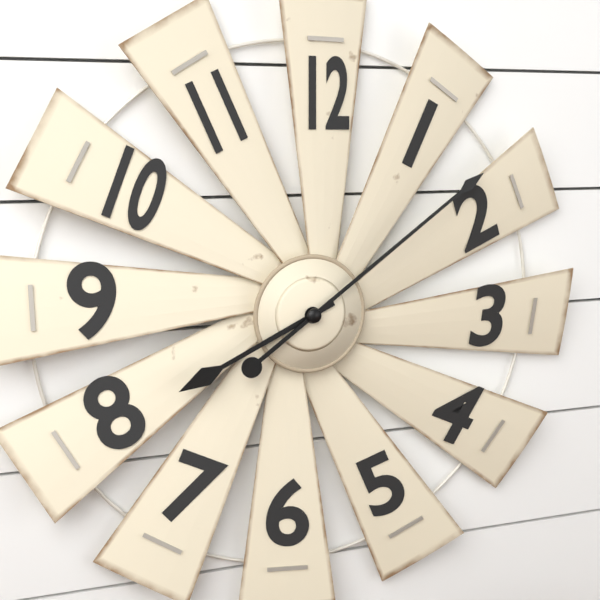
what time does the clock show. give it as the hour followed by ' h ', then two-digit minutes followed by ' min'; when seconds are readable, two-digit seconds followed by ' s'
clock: 8 h 09 min
